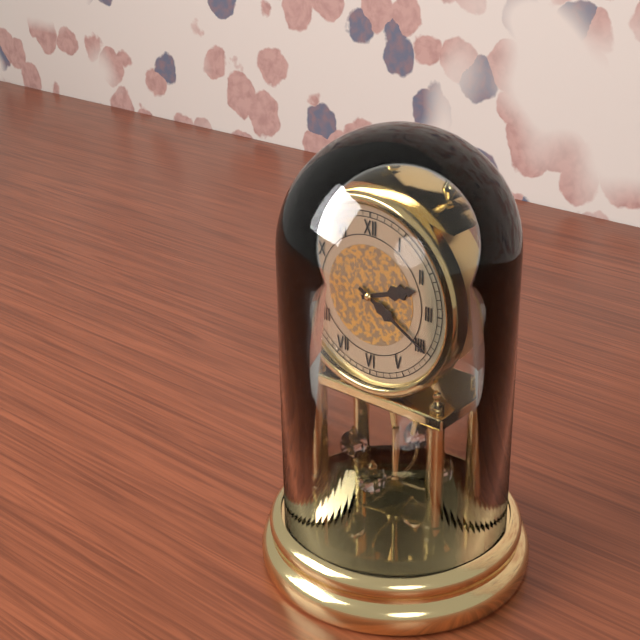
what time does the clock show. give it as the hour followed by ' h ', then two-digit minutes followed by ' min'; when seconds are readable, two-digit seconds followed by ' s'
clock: 2 h 20 min
